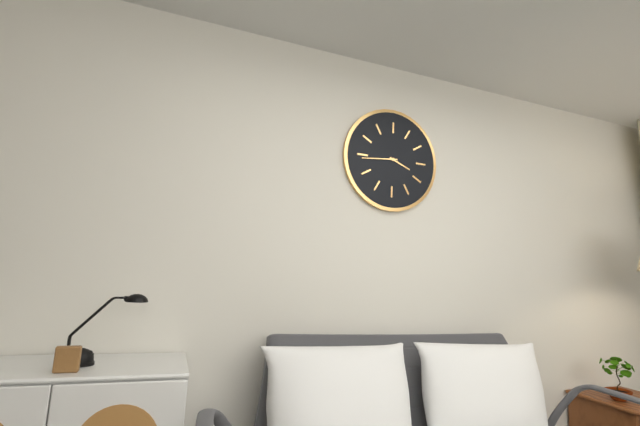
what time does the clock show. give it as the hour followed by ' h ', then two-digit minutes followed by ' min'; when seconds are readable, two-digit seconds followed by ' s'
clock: 3 h 44 min
